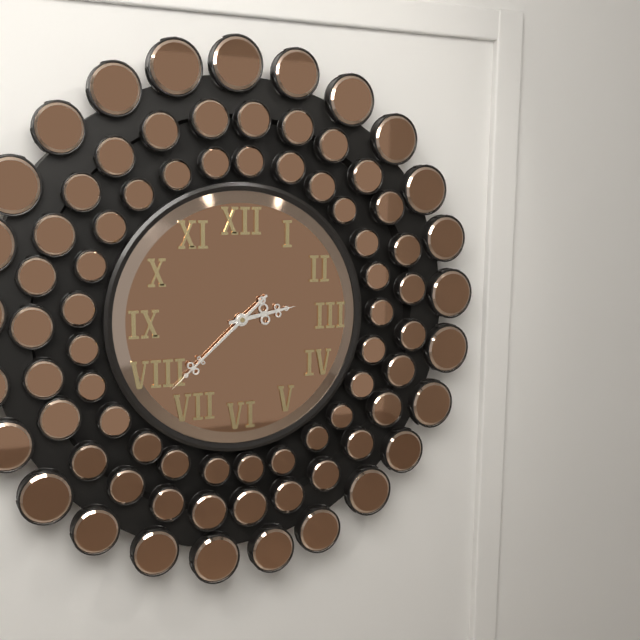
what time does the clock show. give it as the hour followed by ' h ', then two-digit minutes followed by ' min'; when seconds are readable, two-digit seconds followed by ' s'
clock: 2 h 38 min
